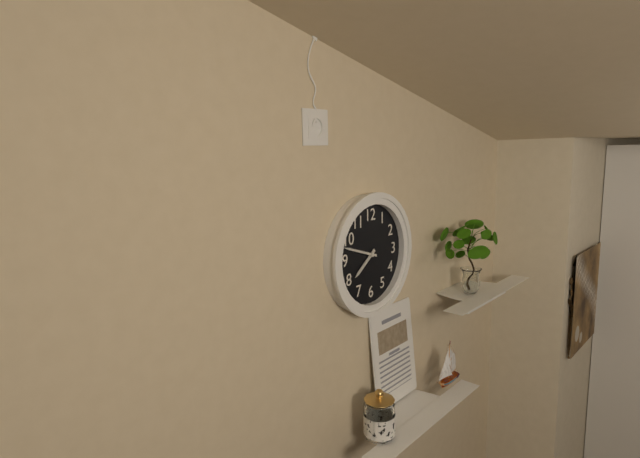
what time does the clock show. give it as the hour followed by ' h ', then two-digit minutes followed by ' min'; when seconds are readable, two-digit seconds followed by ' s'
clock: 7 h 48 min
